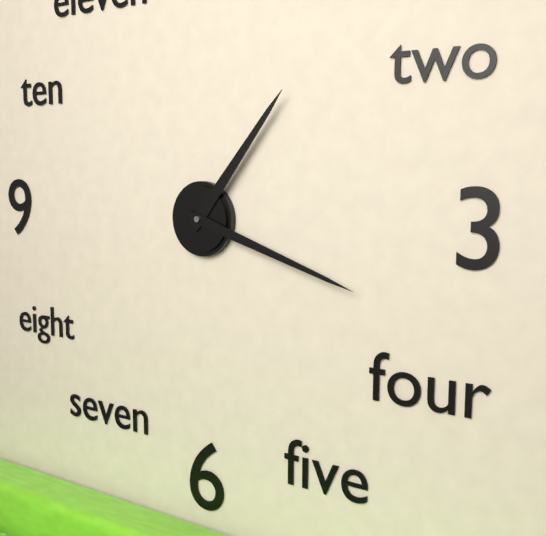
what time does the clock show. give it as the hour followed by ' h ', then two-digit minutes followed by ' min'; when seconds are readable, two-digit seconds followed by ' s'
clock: 1 h 18 min
